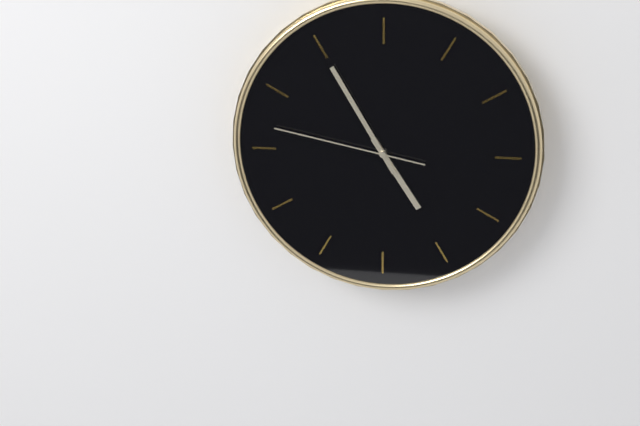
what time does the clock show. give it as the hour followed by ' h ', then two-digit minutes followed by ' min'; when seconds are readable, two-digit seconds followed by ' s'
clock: 4 h 55 min 47 s
